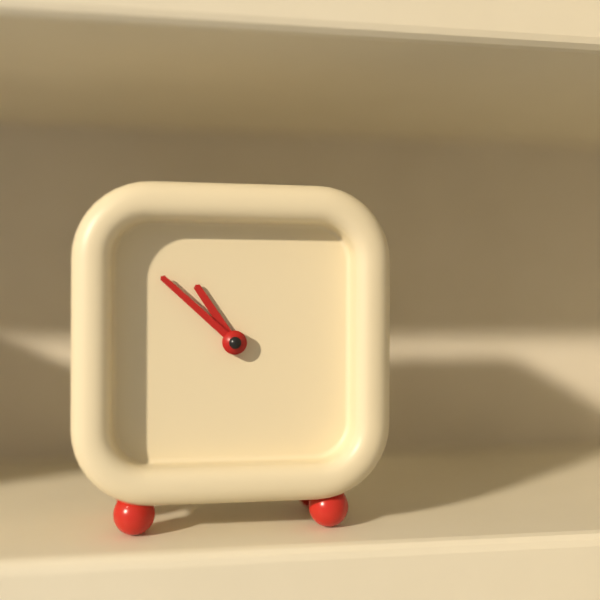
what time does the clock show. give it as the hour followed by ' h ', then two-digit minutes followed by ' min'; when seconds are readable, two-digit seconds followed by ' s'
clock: 10 h 52 min
